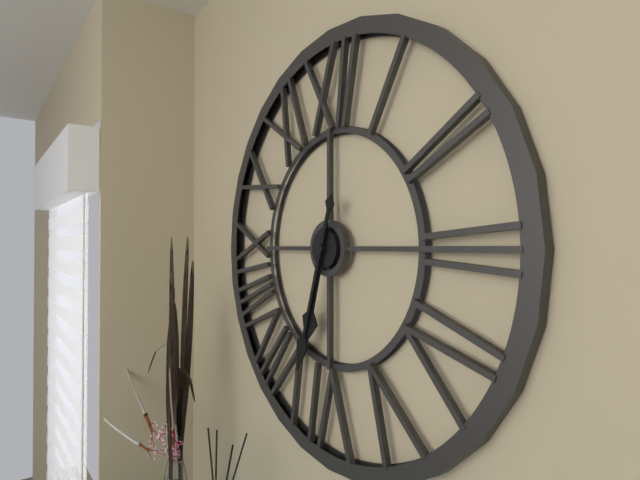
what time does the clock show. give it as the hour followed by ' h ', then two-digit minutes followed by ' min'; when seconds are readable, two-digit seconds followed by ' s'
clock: 6 h 33 min
